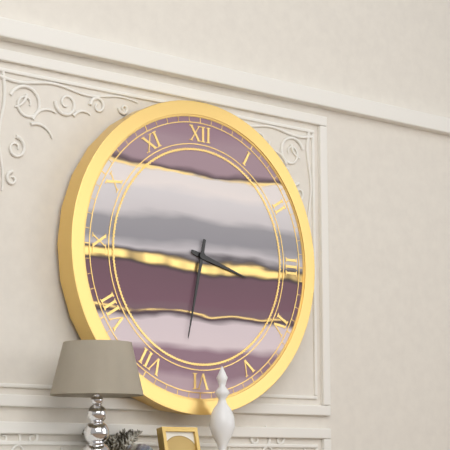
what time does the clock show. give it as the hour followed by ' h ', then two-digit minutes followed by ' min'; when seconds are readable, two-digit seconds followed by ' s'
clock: 3 h 32 min
